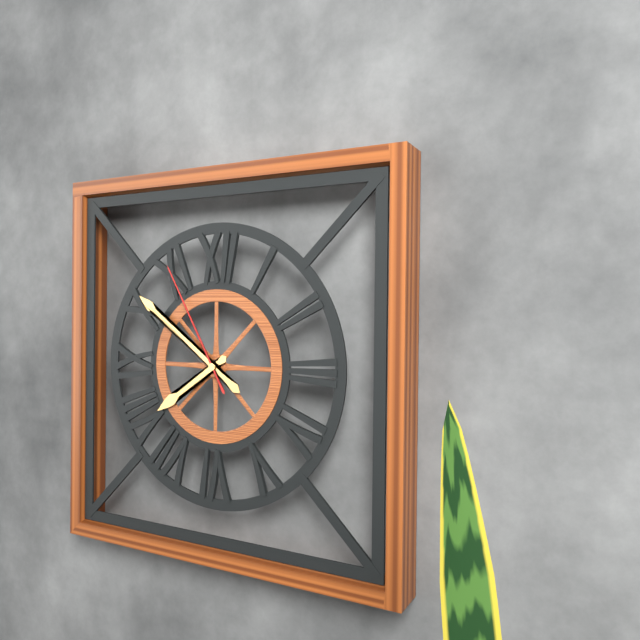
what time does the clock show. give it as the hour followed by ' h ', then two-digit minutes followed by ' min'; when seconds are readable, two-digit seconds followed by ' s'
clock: 7 h 51 min 55 s
